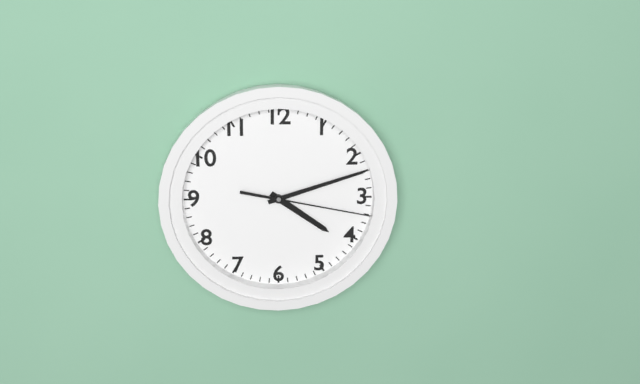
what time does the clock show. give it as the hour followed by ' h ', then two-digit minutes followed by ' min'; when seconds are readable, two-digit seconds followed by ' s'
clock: 4 h 12 min 17 s
